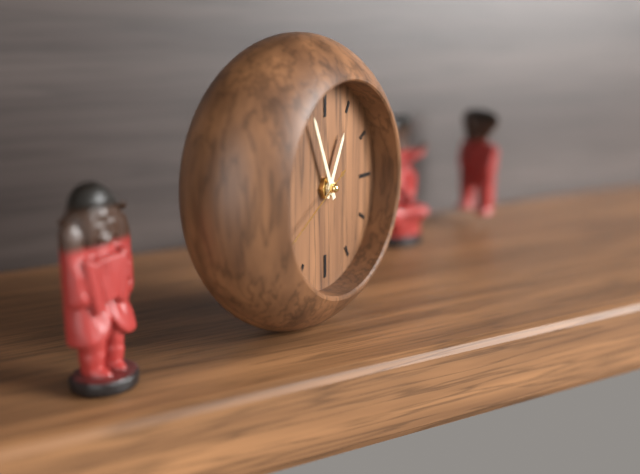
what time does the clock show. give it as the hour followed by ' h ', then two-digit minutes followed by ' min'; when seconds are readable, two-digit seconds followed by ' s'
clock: 12 h 56 min 40 s
